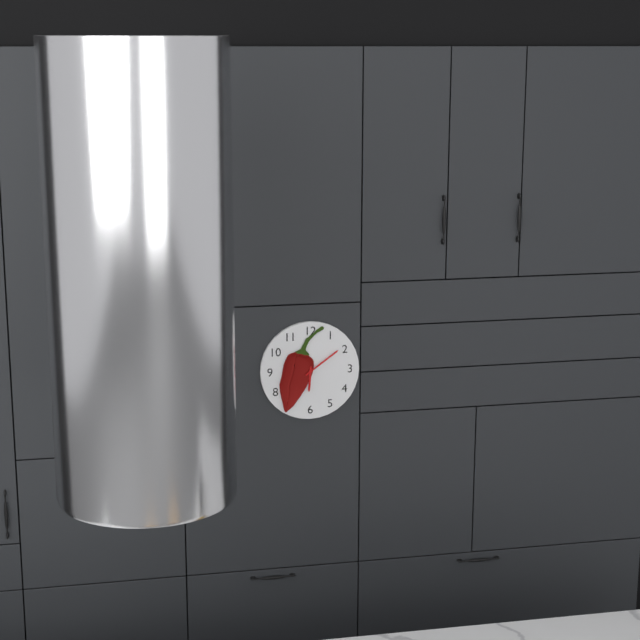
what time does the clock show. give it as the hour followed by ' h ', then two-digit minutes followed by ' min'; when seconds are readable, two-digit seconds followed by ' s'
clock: 6 h 09 min
